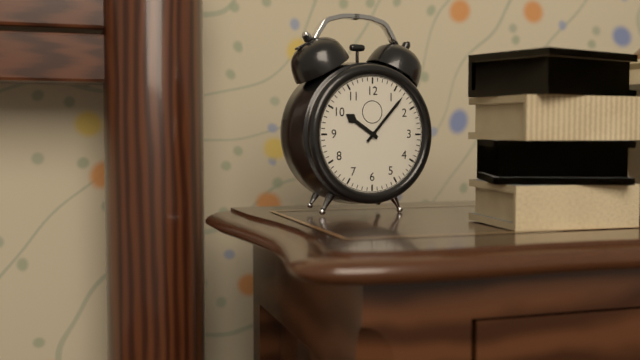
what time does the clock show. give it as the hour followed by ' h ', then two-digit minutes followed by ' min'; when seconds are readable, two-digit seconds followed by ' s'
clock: 10 h 07 min
